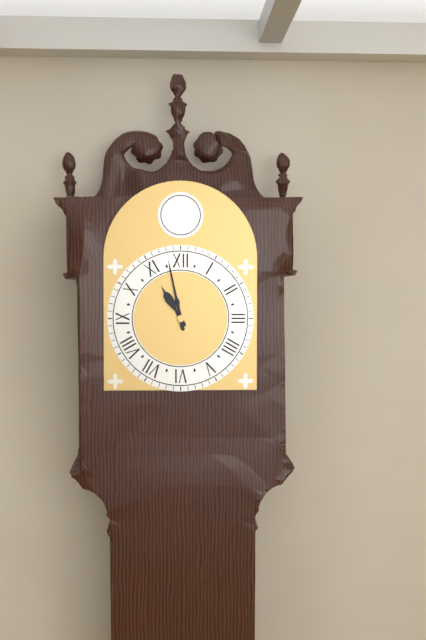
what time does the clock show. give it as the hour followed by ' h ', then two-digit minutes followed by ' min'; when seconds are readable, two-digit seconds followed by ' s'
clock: 10 h 58 min
